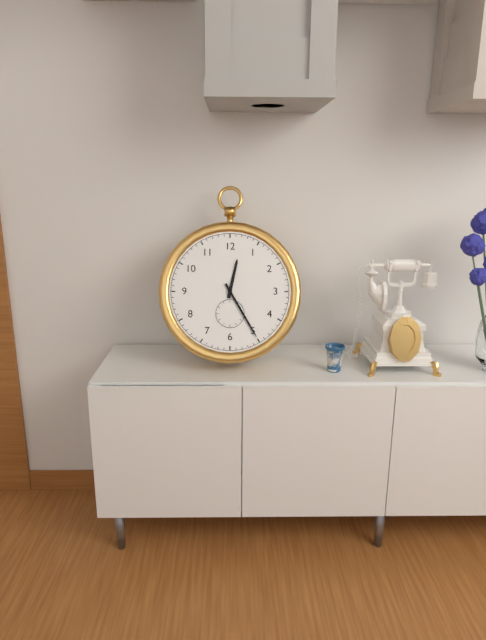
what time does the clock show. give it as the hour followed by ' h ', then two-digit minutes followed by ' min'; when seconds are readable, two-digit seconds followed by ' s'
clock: 12 h 25 min
